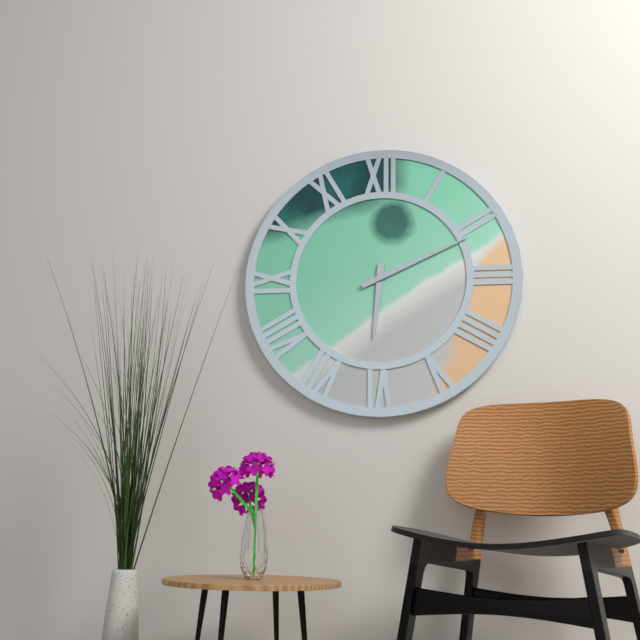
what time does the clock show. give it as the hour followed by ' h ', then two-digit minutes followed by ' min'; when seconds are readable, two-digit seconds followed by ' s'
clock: 6 h 11 min
